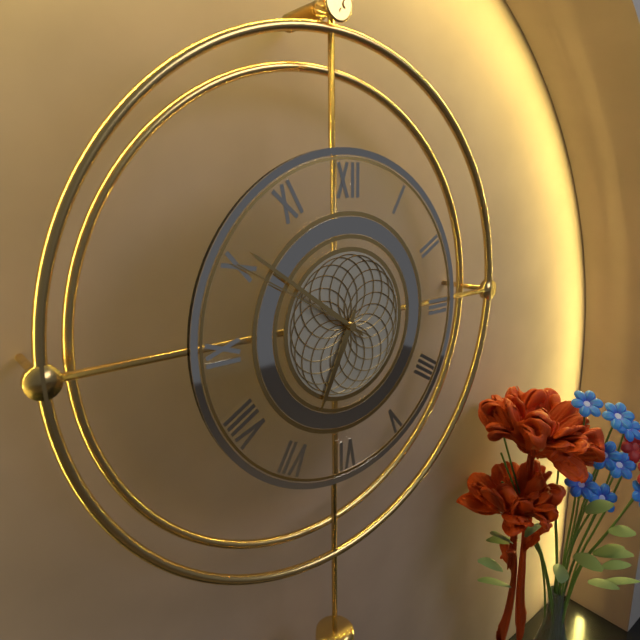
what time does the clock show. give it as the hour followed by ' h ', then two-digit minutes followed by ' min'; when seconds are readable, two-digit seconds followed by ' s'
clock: 6 h 51 min 50 s
